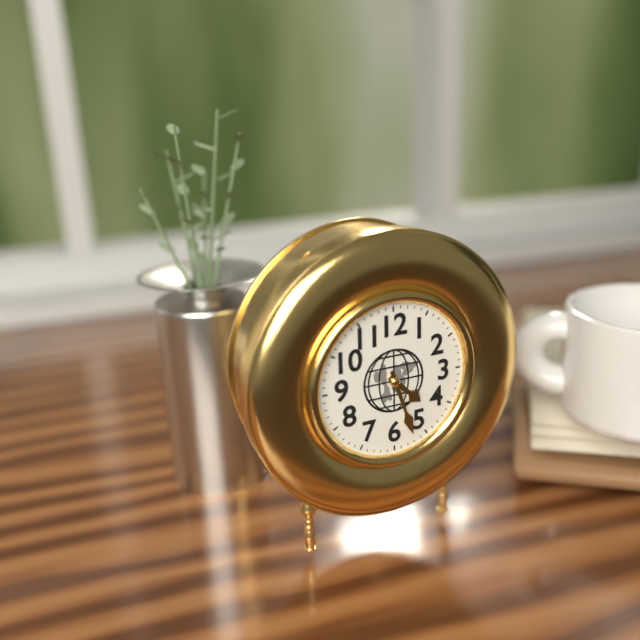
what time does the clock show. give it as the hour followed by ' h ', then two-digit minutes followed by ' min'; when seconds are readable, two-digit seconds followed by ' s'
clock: 4 h 27 min
